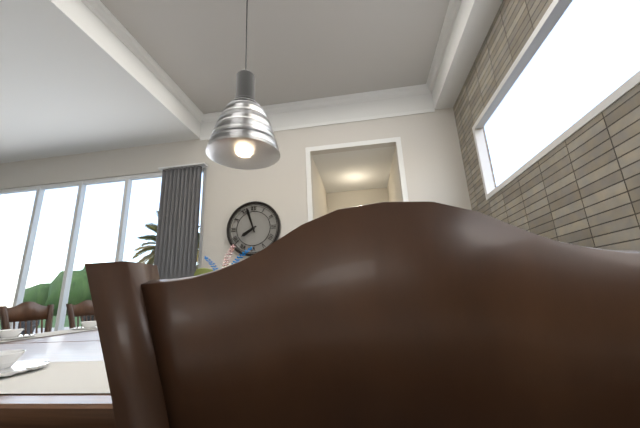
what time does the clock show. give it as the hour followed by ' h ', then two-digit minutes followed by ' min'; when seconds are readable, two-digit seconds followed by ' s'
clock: 7 h 57 min
